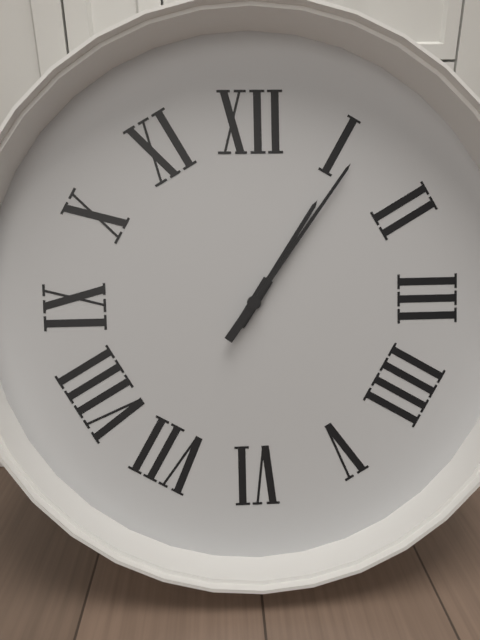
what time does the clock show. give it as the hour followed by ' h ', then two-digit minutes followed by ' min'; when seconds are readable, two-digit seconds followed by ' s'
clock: 1 h 06 min
